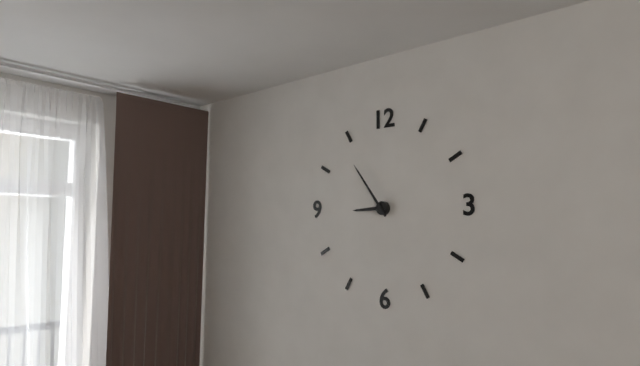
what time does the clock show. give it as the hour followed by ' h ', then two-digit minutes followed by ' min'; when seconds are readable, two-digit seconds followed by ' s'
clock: 8 h 54 min
